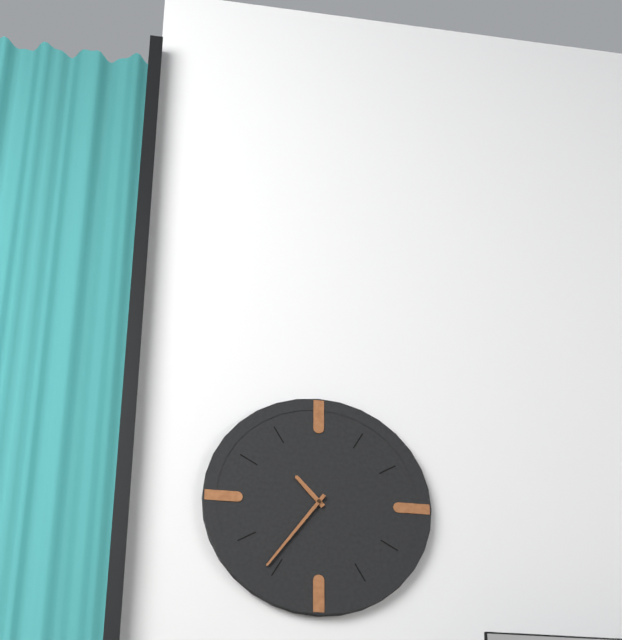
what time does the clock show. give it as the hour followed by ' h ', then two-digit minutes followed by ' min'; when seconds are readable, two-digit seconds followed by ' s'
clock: 10 h 36 min
